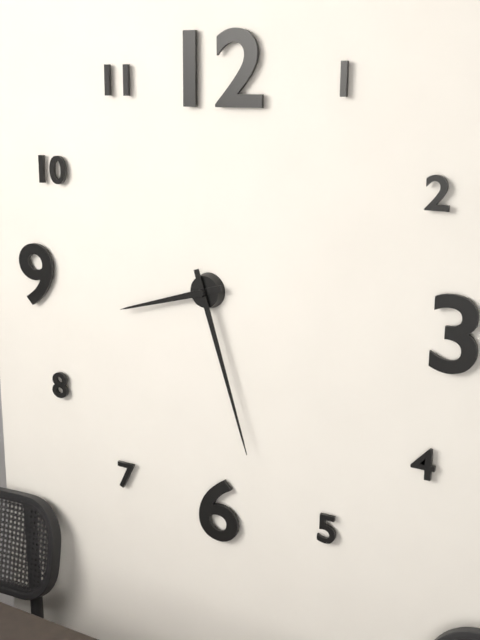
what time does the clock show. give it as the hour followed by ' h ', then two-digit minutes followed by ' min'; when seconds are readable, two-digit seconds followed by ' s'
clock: 8 h 27 min
